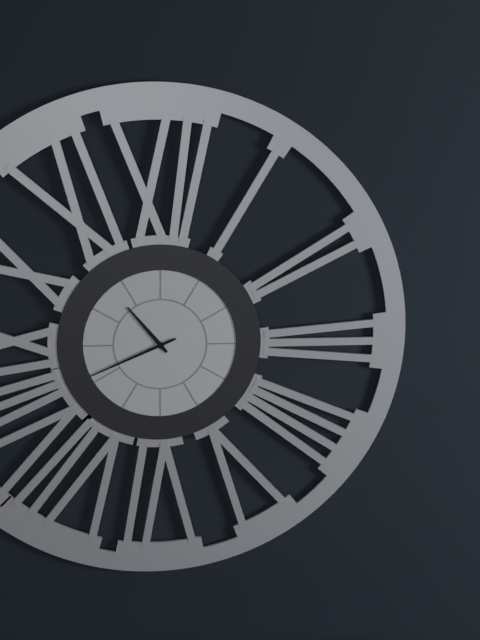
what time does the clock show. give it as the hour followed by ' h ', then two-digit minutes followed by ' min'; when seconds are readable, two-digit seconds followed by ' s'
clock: 10 h 41 min
